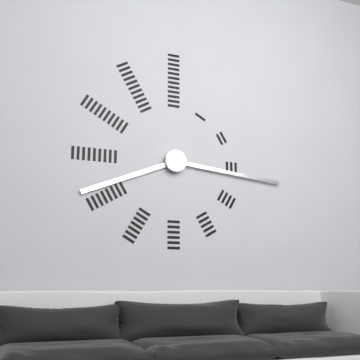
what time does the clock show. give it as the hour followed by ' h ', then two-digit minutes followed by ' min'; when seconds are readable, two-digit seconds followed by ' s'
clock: 8 h 16 min
